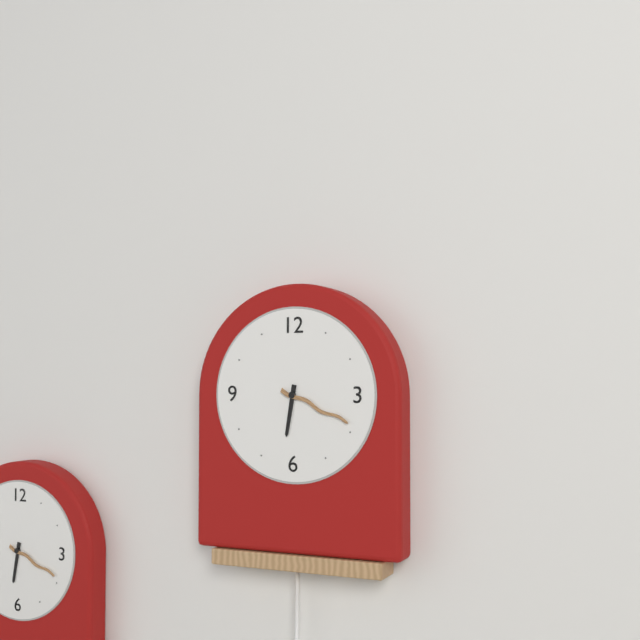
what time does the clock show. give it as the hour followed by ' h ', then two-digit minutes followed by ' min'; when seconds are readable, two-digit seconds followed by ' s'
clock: 6 h 19 min
